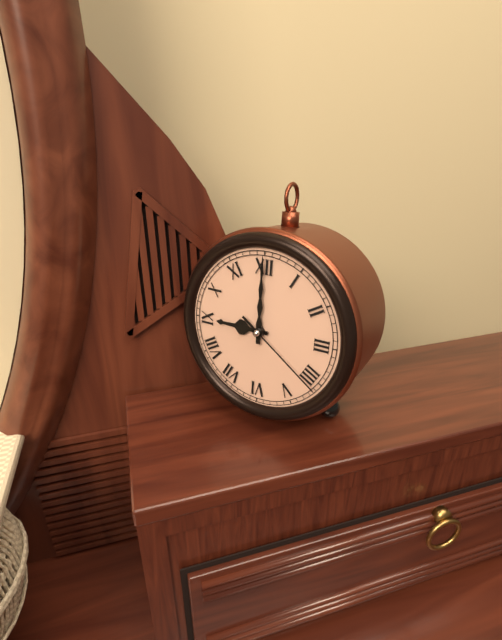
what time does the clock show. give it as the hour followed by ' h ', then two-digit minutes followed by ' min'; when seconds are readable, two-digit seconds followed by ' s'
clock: 9 h 00 min 21 s
